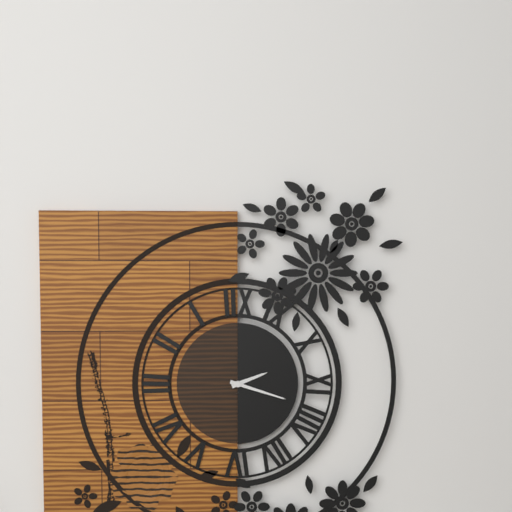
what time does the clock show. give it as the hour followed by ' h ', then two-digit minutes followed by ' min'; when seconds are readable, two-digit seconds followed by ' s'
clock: 2 h 18 min
